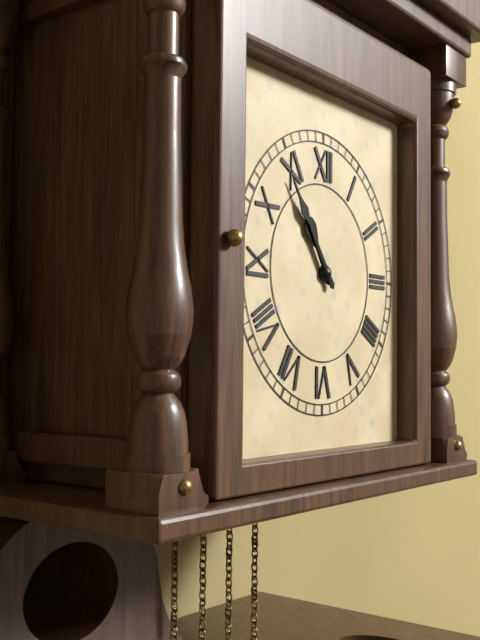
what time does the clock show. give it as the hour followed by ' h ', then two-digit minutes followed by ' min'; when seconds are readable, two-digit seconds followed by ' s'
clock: 10 h 54 min
